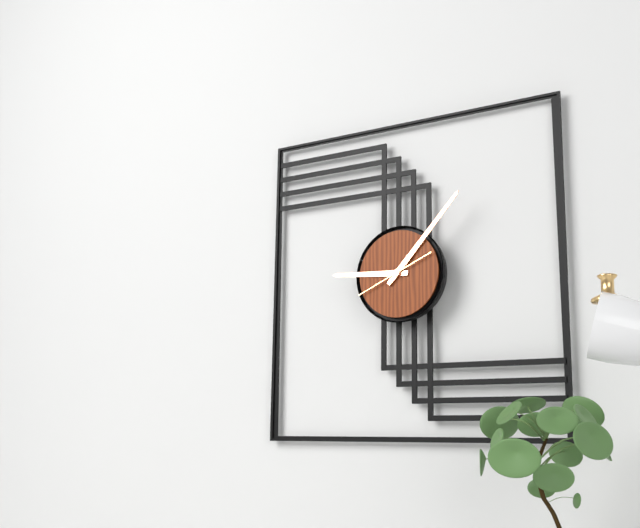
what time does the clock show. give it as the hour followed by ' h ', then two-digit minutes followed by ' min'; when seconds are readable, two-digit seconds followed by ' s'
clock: 9 h 07 min 41 s
